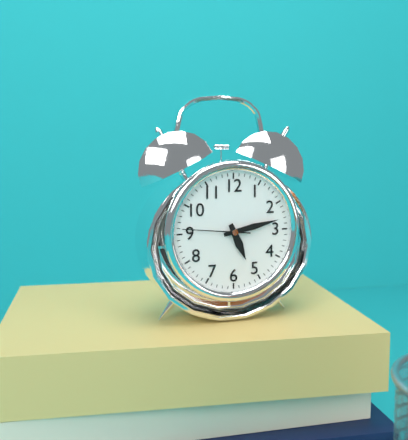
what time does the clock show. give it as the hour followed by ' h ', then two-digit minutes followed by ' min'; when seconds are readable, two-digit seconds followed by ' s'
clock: 5 h 13 min 46 s
